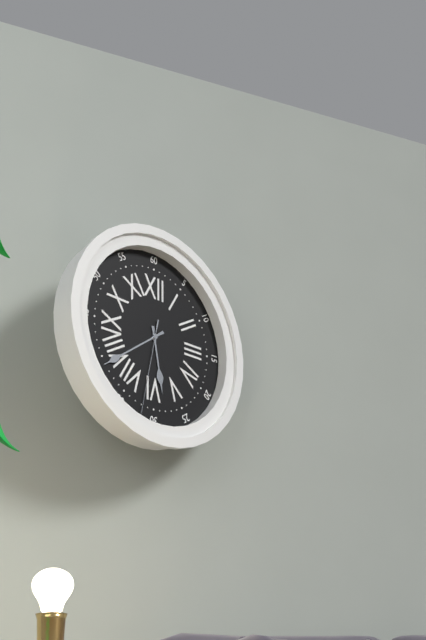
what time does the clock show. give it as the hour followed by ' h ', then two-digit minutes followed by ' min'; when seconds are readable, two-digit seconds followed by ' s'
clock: 5 h 39 min 32 s
